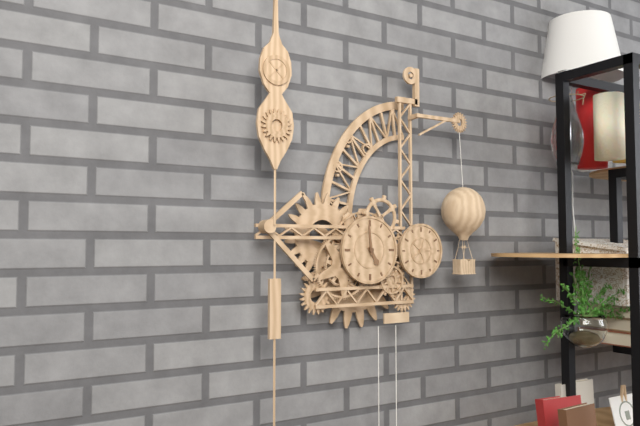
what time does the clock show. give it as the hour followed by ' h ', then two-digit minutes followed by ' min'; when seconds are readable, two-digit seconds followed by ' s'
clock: 4 h 59 min
